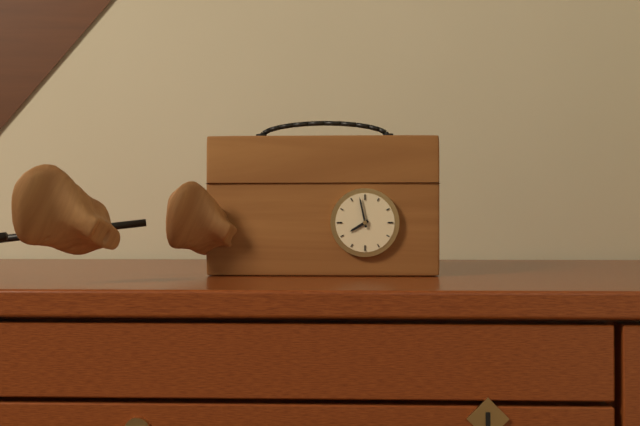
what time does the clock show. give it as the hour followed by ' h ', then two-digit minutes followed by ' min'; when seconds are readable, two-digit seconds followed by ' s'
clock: 7 h 58 min
